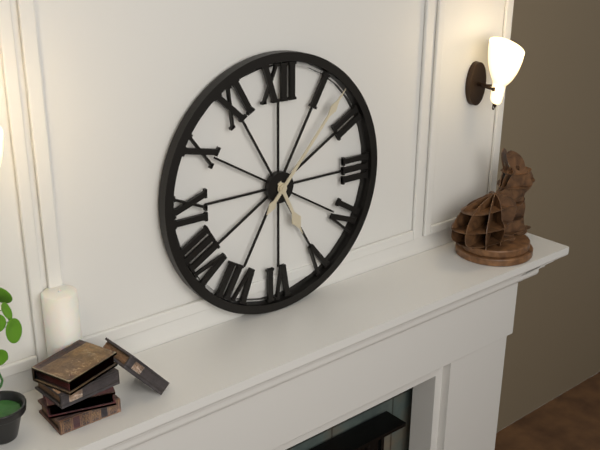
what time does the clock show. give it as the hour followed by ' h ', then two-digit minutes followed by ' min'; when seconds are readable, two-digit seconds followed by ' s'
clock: 5 h 07 min
